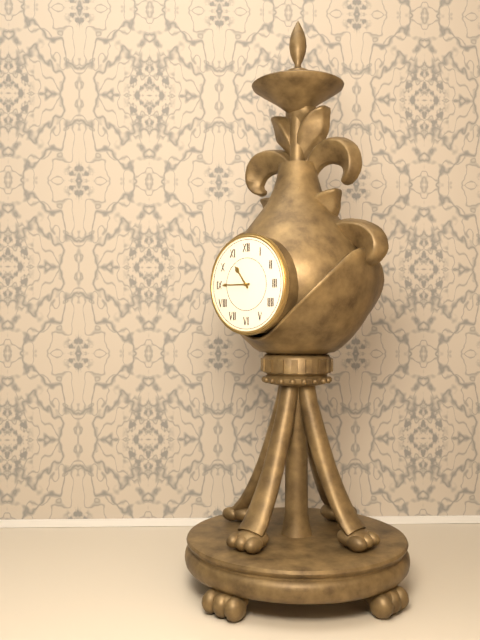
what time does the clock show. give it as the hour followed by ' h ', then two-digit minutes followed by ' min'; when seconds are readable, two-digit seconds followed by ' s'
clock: 10 h 45 min
